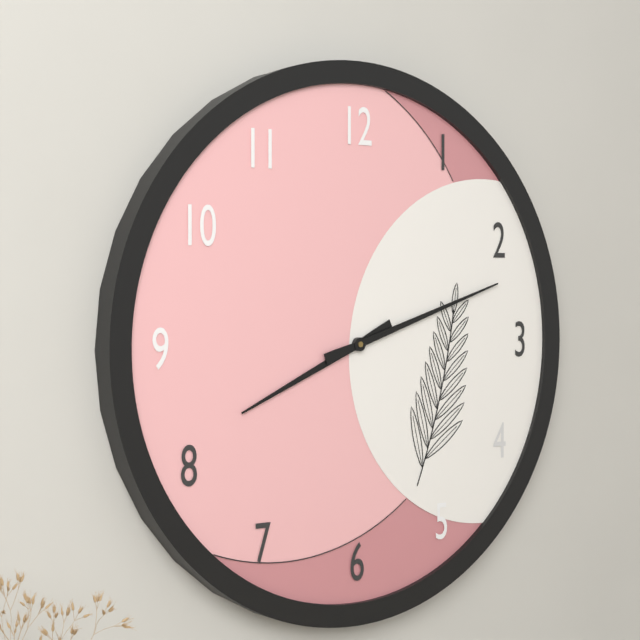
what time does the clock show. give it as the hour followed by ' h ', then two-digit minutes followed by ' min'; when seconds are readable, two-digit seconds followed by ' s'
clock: 8 h 12 min
